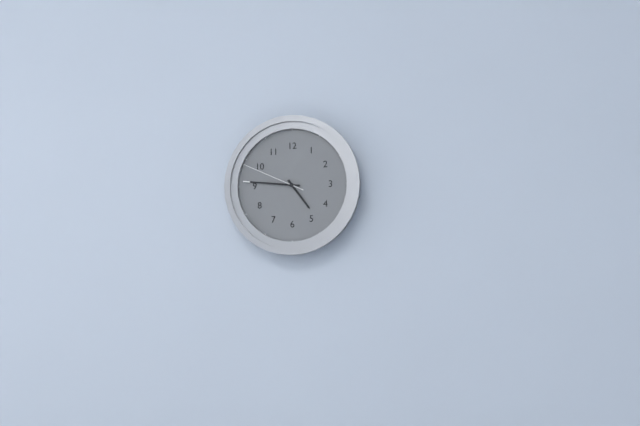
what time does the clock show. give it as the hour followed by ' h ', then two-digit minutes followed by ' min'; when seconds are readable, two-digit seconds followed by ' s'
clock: 4 h 46 min 49 s
